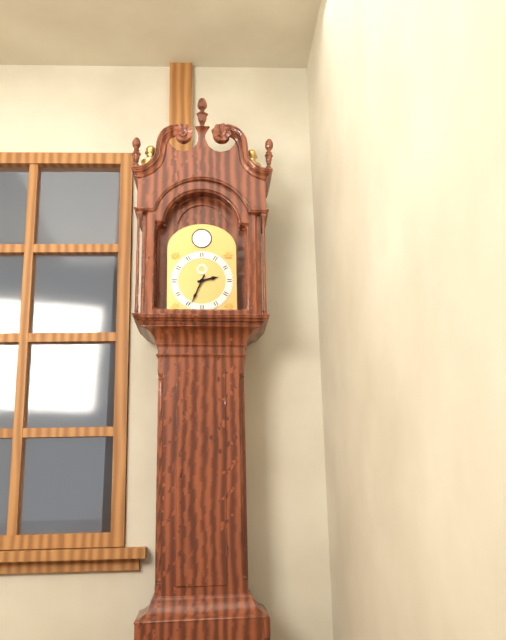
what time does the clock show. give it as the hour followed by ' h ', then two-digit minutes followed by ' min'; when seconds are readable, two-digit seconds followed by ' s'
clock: 2 h 34 min
